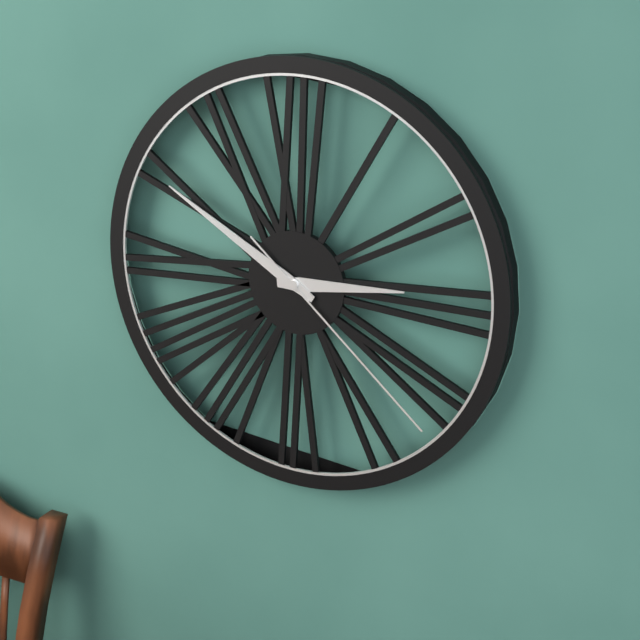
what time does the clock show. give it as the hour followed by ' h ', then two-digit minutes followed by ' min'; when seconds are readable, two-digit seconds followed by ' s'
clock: 2 h 50 min 22 s
